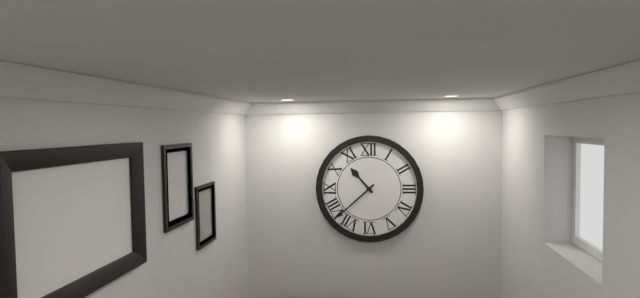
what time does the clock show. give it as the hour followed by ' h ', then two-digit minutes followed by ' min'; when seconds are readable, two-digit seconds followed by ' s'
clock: 10 h 38 min
